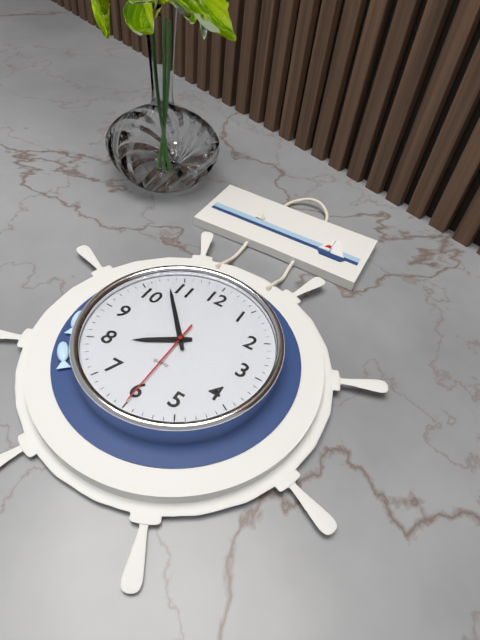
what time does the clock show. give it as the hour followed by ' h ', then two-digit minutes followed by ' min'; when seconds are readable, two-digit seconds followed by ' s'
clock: 7 h 53 min 30 s
